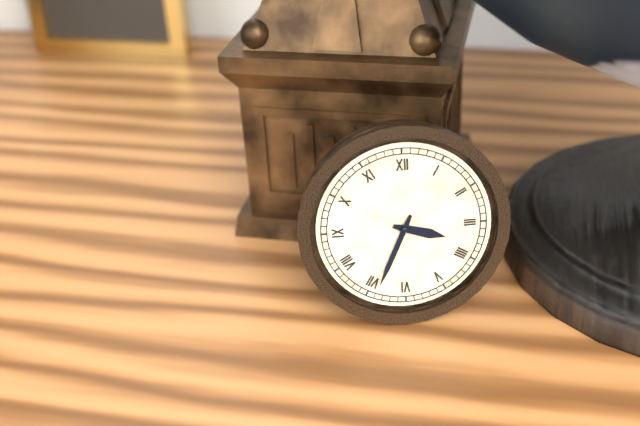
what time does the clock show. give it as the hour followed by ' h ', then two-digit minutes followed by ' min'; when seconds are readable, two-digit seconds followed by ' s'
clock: 3 h 34 min
